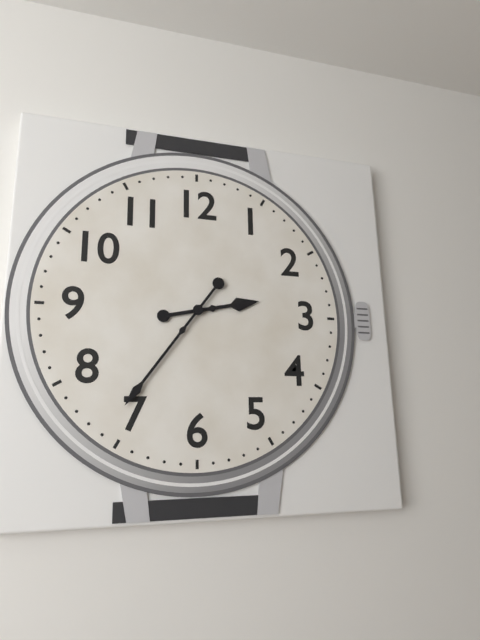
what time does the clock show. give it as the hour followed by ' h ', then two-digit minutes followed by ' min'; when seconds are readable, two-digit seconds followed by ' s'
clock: 2 h 36 min
